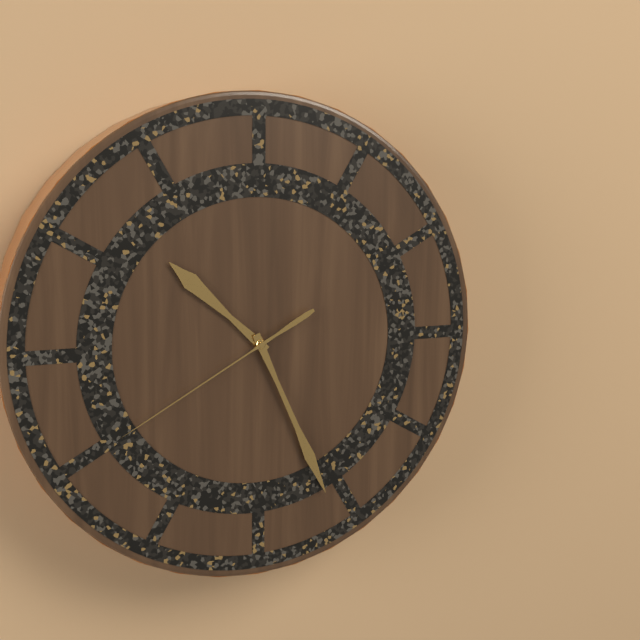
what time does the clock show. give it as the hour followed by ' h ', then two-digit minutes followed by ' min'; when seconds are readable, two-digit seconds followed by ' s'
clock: 10 h 26 min 40 s
